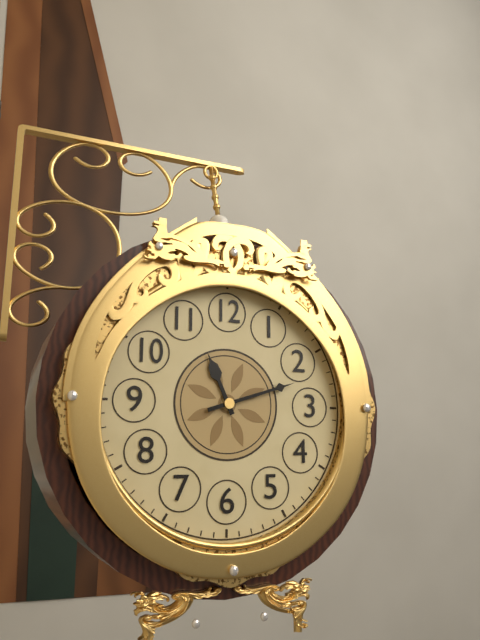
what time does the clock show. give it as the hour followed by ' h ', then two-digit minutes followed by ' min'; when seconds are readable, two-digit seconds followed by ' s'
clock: 11 h 12 min
